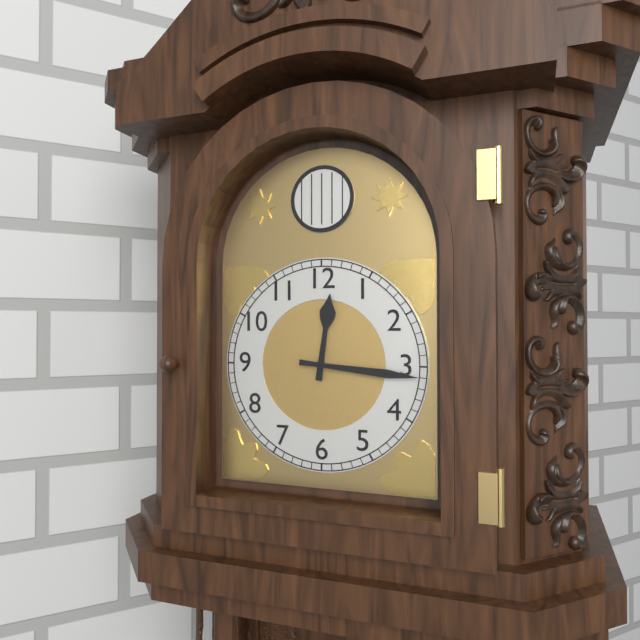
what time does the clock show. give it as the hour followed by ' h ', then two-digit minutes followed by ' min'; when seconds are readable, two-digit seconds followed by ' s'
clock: 12 h 16 min
